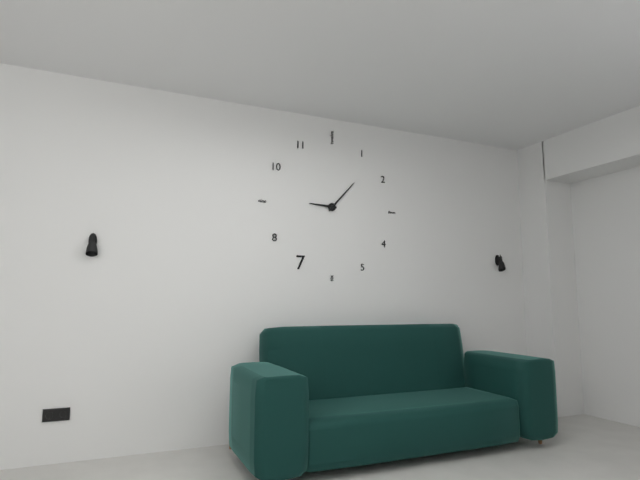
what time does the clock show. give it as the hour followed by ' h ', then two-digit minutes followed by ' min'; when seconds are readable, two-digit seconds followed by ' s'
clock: 9 h 07 min
